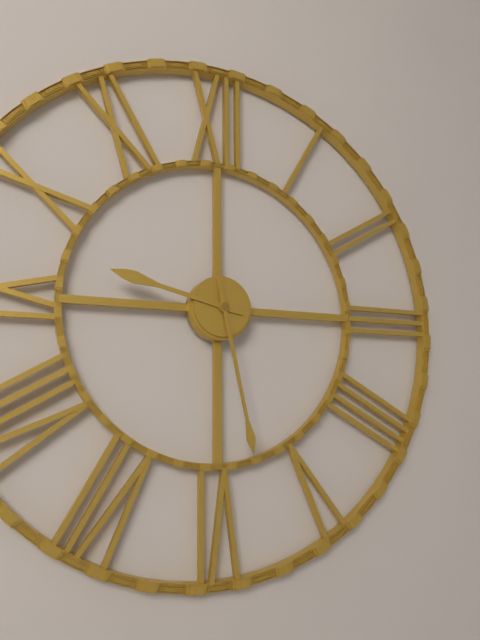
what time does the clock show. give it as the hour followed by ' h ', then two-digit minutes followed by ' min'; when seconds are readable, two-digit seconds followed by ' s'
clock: 9 h 28 min
